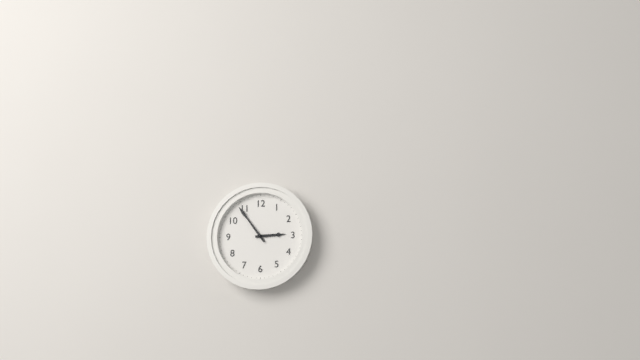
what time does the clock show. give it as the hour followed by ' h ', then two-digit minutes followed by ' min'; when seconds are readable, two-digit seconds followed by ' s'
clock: 2 h 54 min
